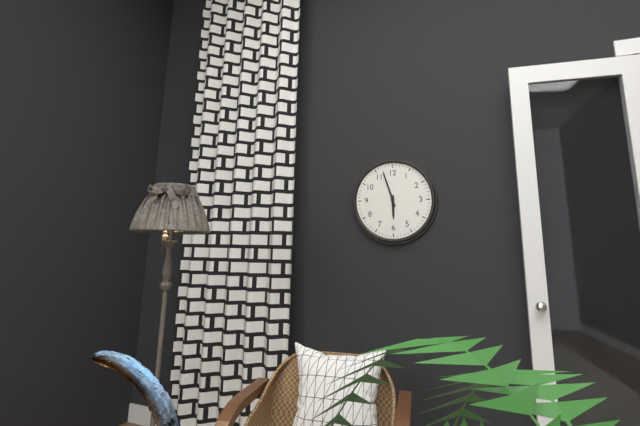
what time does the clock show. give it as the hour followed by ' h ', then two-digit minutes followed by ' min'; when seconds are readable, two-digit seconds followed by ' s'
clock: 5 h 57 min
